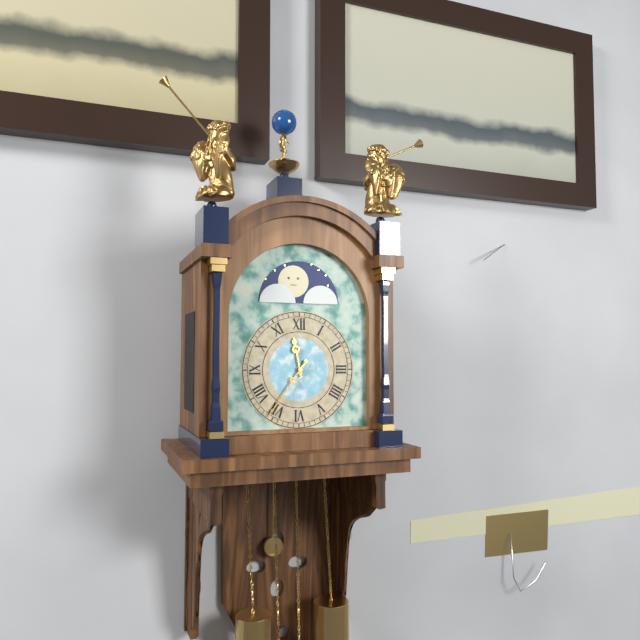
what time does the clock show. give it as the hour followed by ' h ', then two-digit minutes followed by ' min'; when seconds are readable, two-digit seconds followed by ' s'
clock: 11 h 36 min
